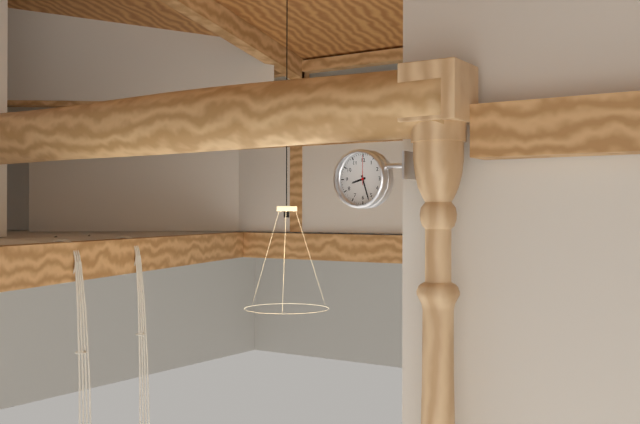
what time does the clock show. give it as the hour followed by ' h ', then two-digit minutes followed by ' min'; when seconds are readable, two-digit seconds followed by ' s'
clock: 8 h 27 min
